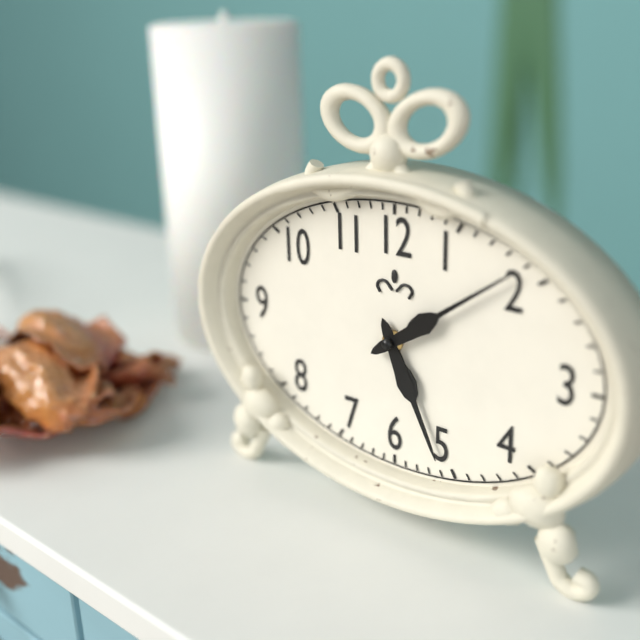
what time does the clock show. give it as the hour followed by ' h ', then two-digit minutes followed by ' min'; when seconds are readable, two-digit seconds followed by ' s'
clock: 5 h 09 min
